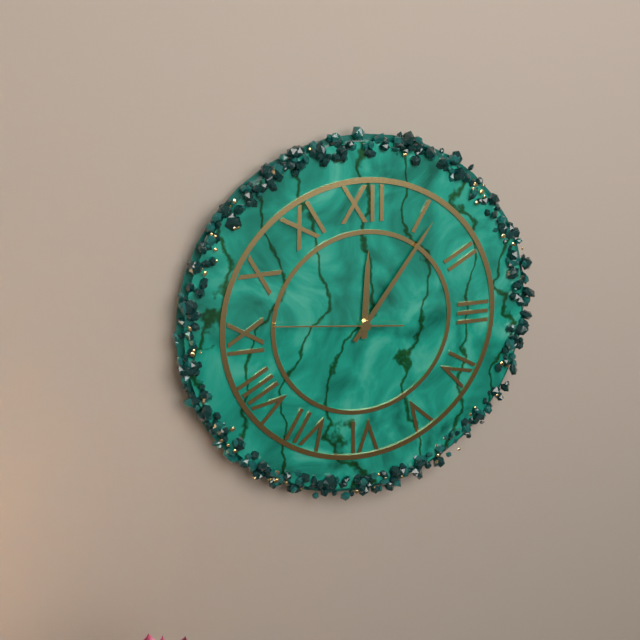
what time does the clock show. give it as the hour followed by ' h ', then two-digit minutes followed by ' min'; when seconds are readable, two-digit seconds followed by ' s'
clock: 12 h 06 min 46 s
